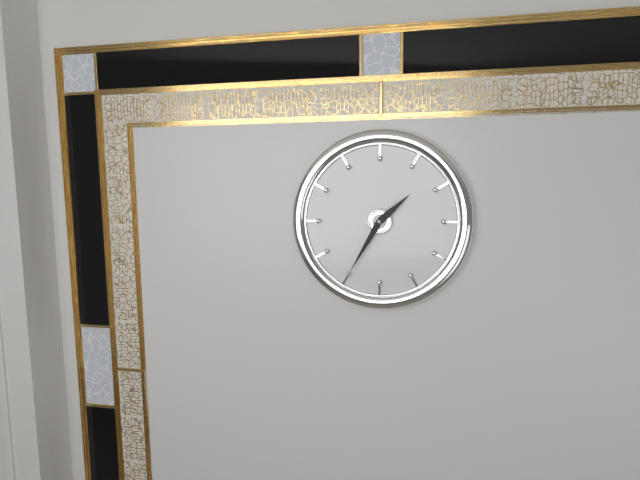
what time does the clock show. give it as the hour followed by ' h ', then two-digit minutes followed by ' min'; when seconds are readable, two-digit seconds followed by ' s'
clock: 1 h 35 min
